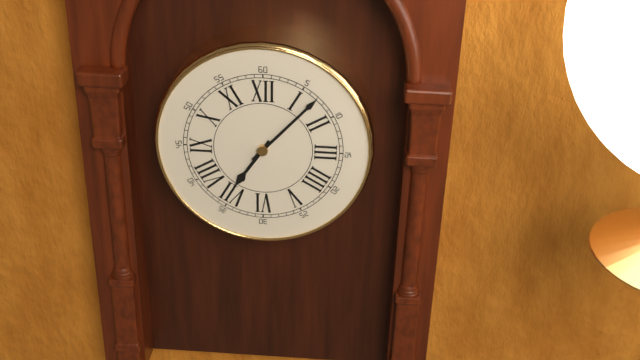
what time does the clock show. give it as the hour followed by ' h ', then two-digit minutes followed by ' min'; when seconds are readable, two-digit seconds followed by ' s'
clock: 7 h 07 min
